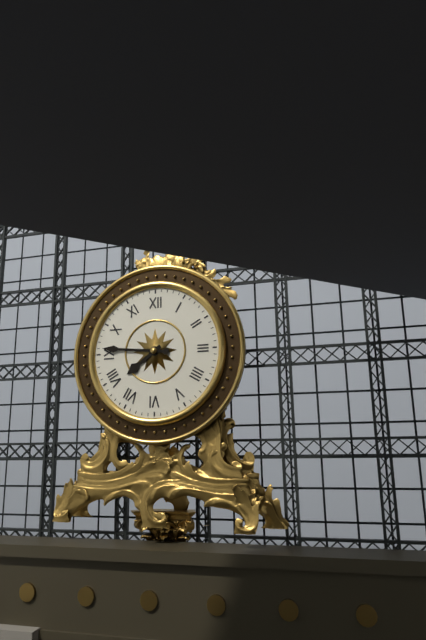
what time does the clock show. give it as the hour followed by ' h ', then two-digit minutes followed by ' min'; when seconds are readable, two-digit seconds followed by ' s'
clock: 7 h 46 min
